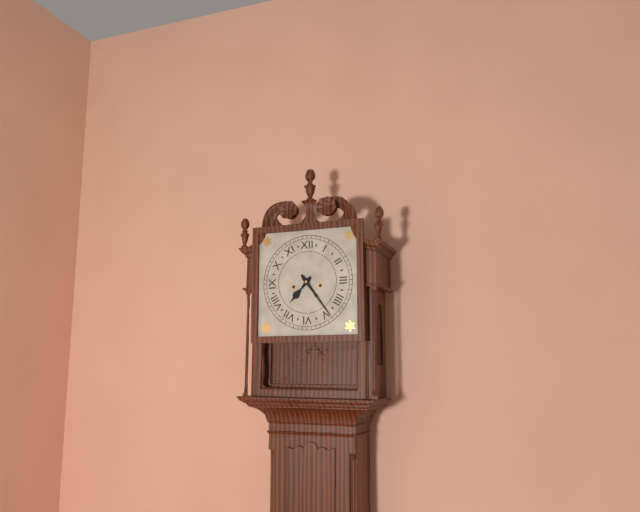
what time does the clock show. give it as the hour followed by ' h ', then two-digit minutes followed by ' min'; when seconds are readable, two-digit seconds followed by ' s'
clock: 7 h 24 min
